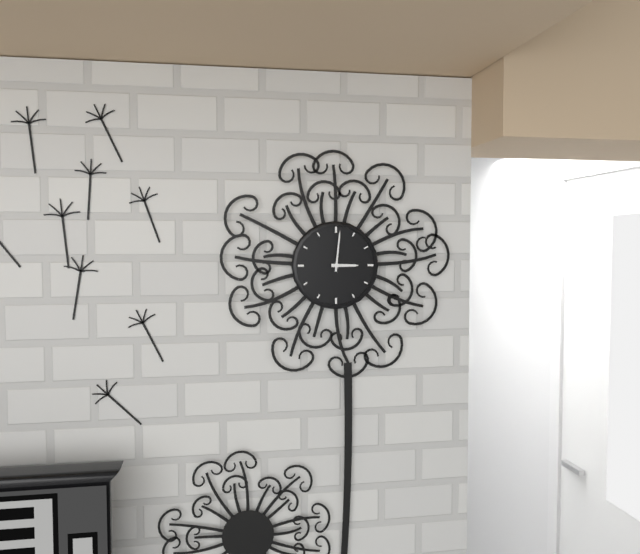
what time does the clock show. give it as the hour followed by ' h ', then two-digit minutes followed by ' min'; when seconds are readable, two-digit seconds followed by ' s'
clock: 3 h 01 min
